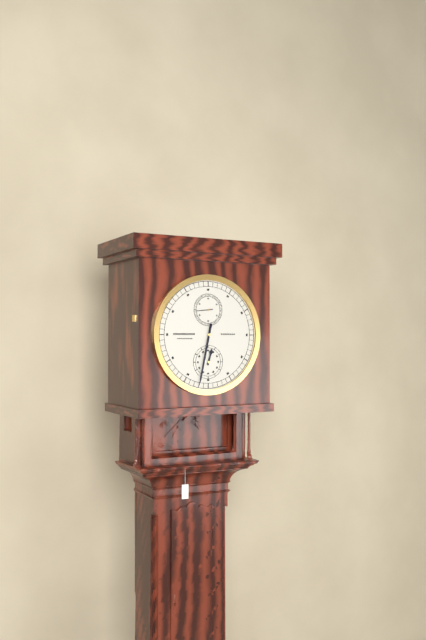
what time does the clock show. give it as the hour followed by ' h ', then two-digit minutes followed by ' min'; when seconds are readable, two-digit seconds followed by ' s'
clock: 12 h 32 min
